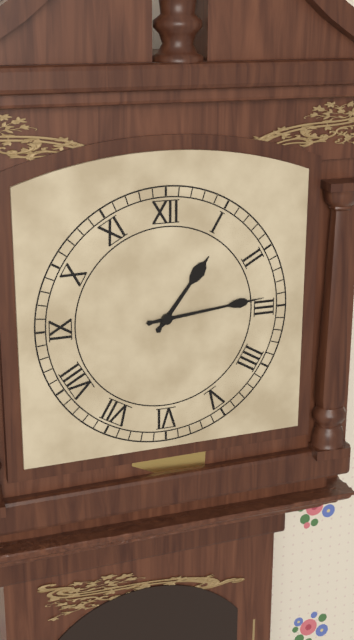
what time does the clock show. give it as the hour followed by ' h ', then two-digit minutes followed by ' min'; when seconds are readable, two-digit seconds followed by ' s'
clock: 1 h 14 min
